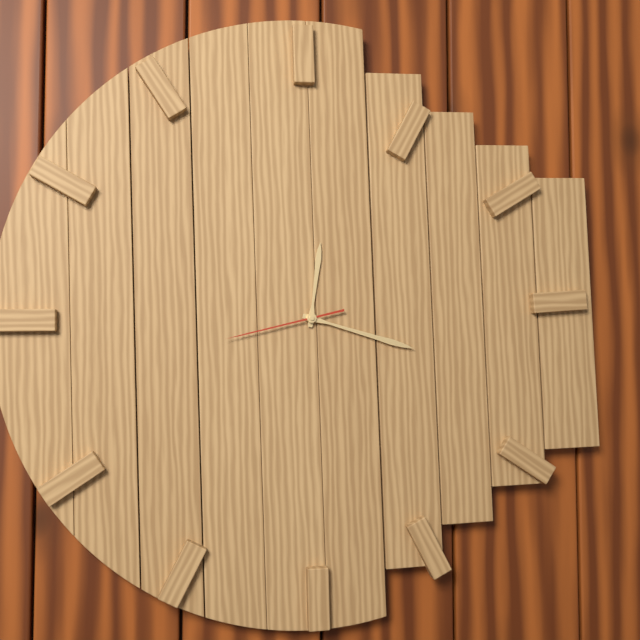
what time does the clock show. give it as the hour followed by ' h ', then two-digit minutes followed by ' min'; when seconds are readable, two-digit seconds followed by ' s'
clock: 12 h 18 min 43 s
